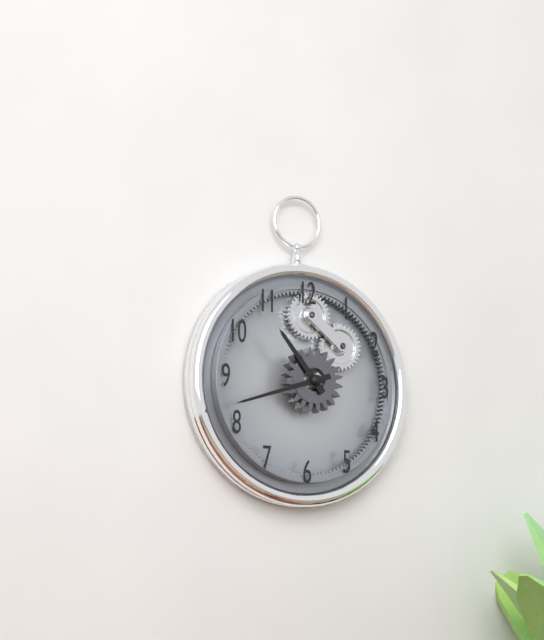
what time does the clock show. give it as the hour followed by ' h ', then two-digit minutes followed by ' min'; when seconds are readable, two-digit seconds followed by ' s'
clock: 10 h 42 min
